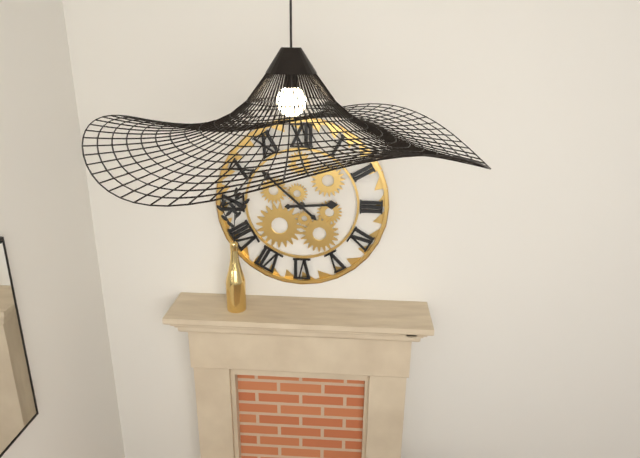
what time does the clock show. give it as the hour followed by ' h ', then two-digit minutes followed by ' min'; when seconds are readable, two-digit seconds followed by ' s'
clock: 2 h 52 min
